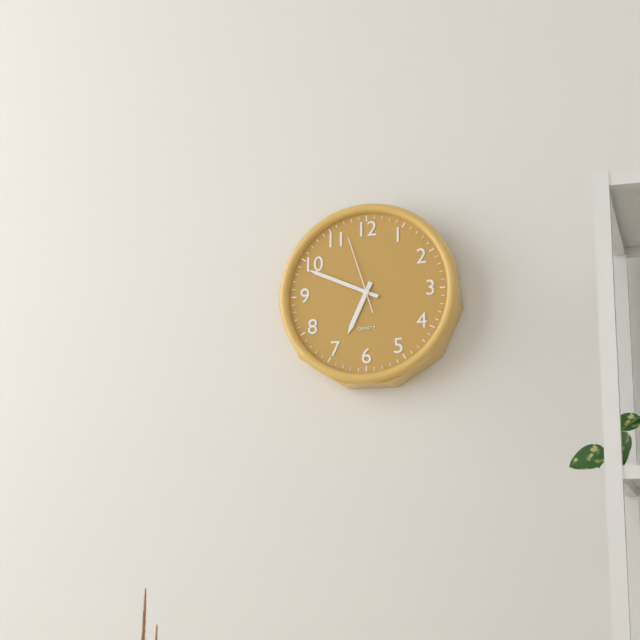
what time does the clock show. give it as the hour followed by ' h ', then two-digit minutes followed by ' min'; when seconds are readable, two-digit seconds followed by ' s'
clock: 6 h 49 min 57 s
